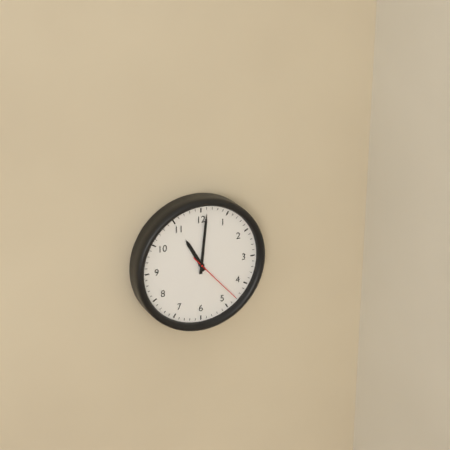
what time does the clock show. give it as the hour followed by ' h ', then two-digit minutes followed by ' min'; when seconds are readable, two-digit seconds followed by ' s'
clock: 11 h 01 min 23 s
